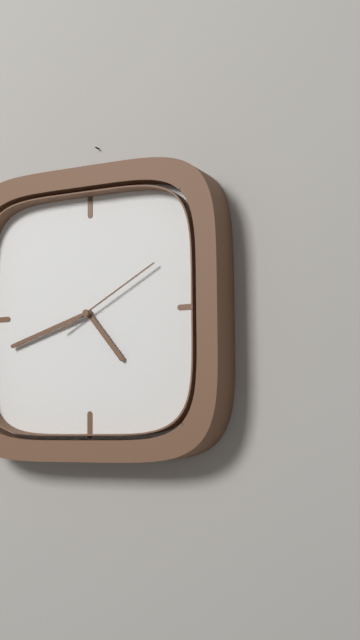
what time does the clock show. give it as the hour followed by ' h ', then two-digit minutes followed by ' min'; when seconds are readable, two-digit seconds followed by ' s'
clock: 4 h 42 min 10 s
